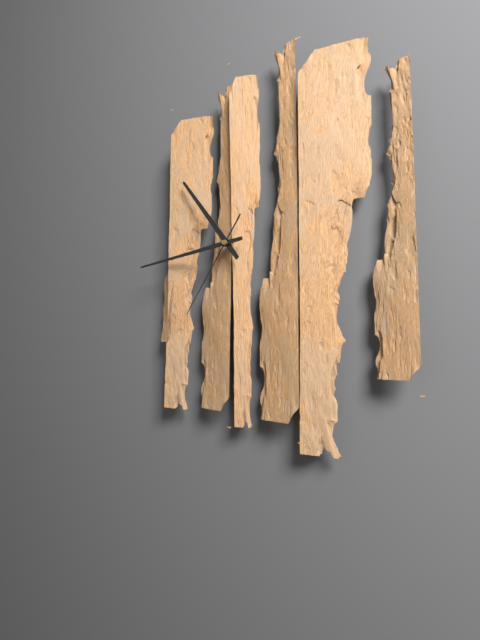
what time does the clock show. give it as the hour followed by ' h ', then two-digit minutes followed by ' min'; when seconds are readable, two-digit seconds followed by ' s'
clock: 10 h 44 min 36 s
